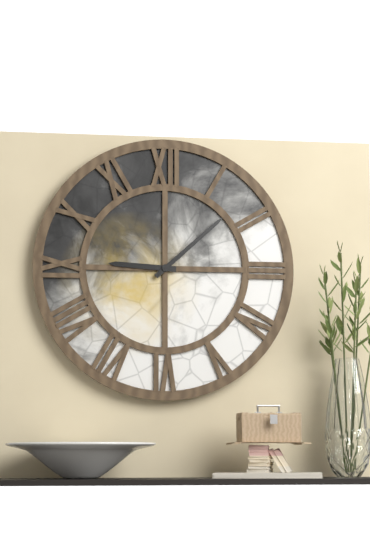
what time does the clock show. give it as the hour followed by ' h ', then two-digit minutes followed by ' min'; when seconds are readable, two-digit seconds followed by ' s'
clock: 9 h 08 min
